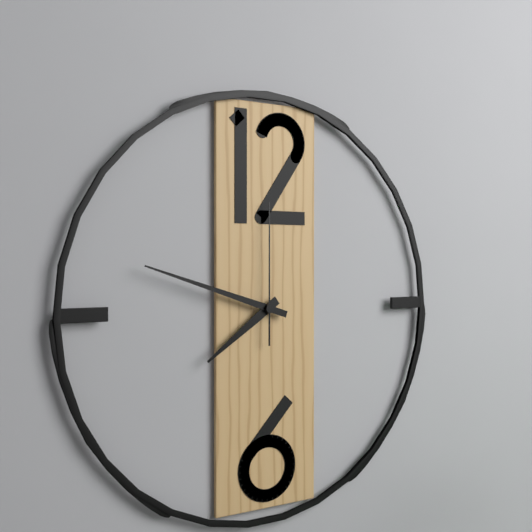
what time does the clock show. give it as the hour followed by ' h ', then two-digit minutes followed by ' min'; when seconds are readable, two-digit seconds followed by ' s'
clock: 7 h 48 min 00 s
